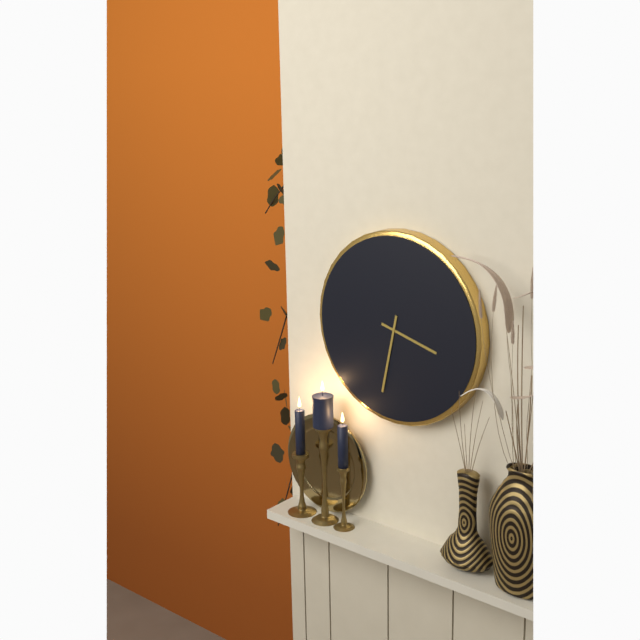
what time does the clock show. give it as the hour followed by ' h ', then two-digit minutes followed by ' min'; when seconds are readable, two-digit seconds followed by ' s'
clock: 3 h 32 min
